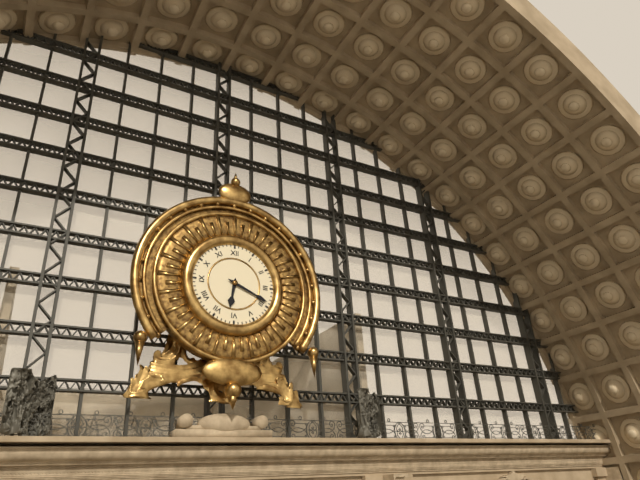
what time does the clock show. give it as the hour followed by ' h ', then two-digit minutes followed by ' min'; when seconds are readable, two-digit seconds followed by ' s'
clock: 6 h 19 min
